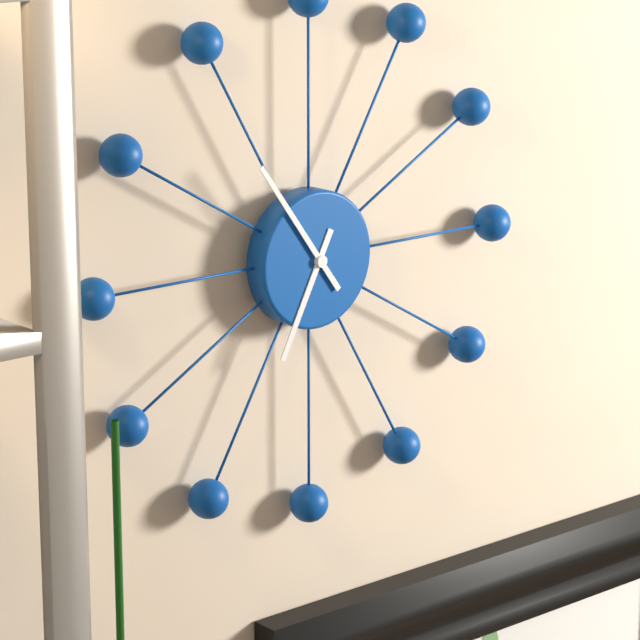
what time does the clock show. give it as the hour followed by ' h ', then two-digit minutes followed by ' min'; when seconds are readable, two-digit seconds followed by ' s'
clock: 6 h 54 min
